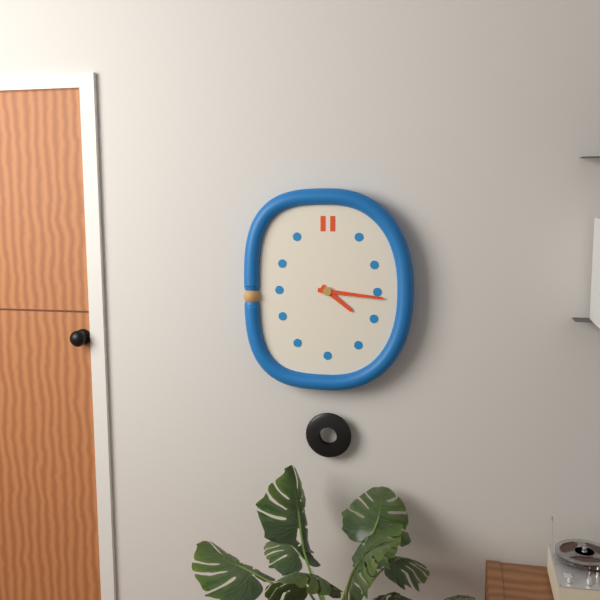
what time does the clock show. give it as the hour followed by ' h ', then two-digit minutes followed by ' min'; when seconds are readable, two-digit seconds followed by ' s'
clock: 4 h 16 min
